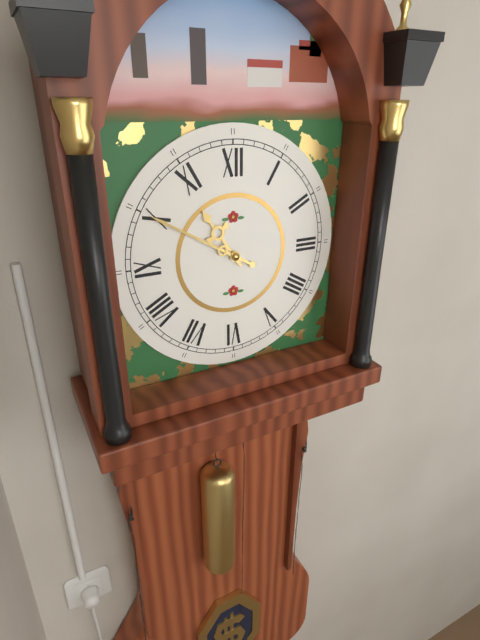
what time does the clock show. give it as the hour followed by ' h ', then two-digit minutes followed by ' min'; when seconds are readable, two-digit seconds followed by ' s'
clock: 10 h 50 min
